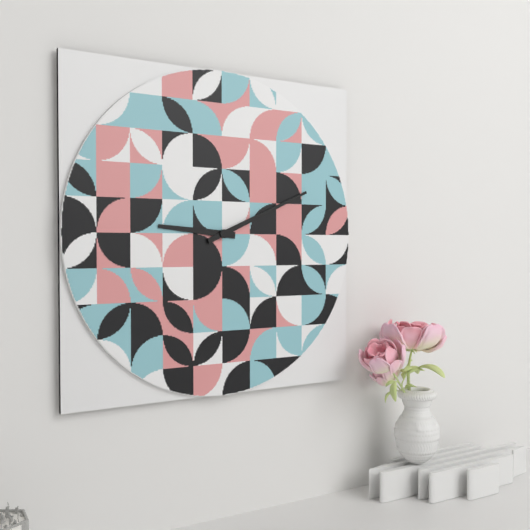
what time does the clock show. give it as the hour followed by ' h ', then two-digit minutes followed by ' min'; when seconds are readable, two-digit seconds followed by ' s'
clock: 9 h 11 min
